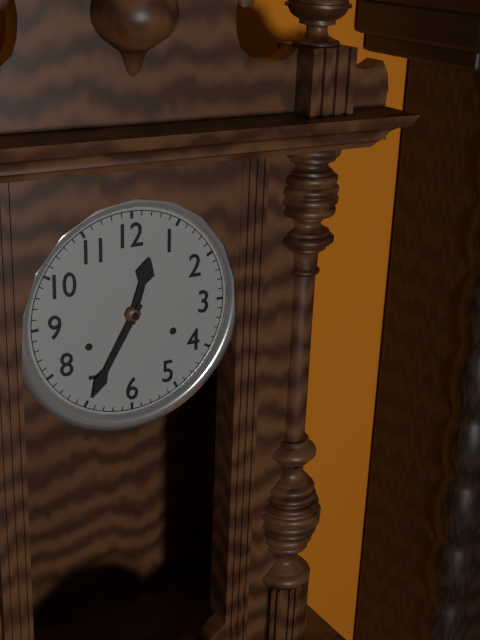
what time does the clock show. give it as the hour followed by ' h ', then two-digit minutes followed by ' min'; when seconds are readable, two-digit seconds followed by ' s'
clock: 12 h 35 min
